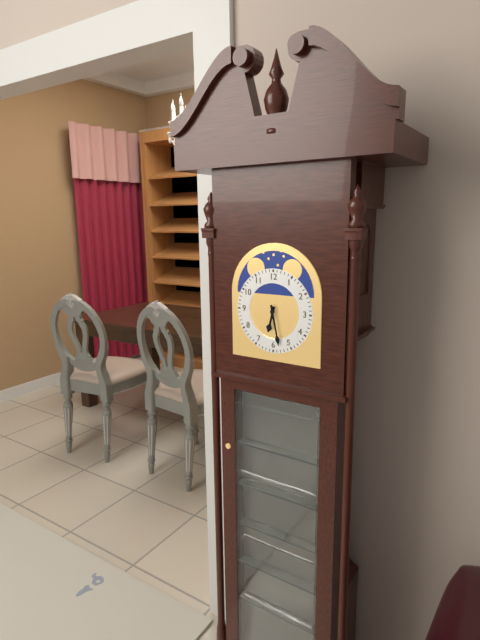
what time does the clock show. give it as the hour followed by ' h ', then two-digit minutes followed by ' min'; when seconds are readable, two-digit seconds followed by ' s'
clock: 6 h 28 min
